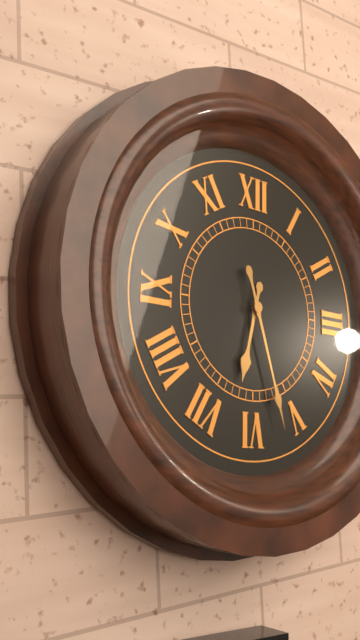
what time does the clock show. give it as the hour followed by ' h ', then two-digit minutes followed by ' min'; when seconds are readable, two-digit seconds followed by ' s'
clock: 6 h 27 min
